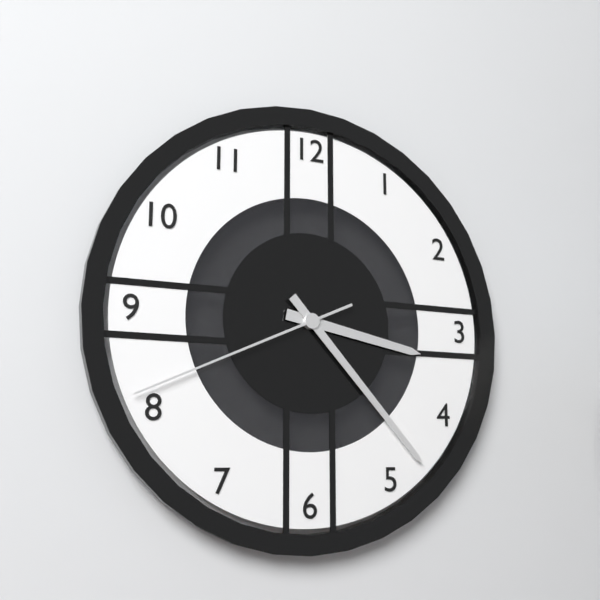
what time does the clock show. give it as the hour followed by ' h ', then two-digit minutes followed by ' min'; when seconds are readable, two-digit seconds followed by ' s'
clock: 3 h 23 min 41 s
